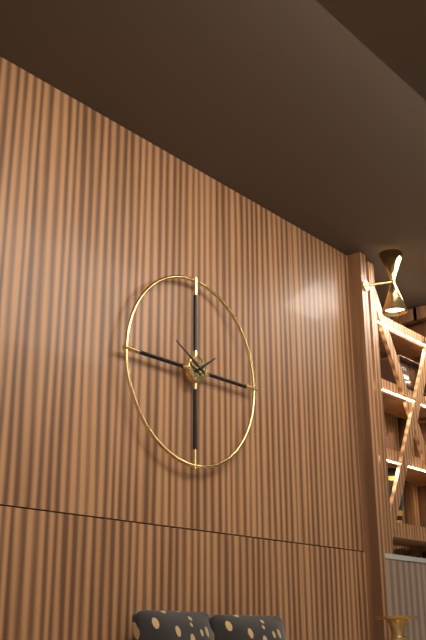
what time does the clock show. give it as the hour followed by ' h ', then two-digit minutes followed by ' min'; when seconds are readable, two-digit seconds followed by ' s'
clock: 1 h 50 min
